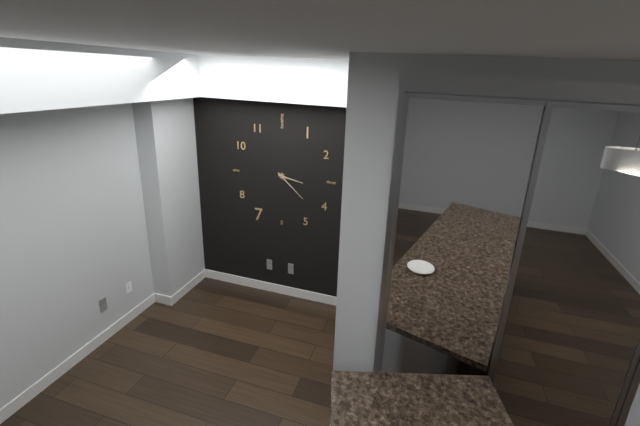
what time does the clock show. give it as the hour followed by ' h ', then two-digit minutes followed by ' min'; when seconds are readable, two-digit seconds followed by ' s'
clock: 3 h 22 min
